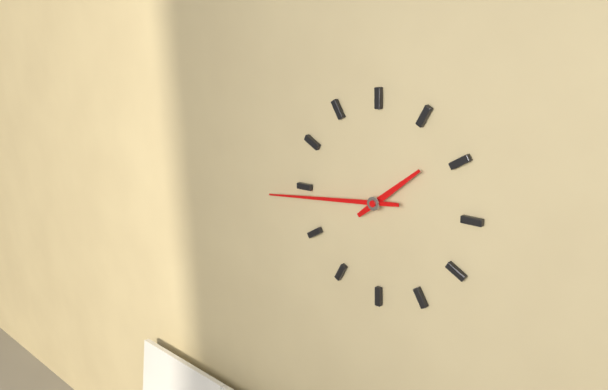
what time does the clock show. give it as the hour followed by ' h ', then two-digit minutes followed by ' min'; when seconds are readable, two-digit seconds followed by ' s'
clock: 1 h 44 min
